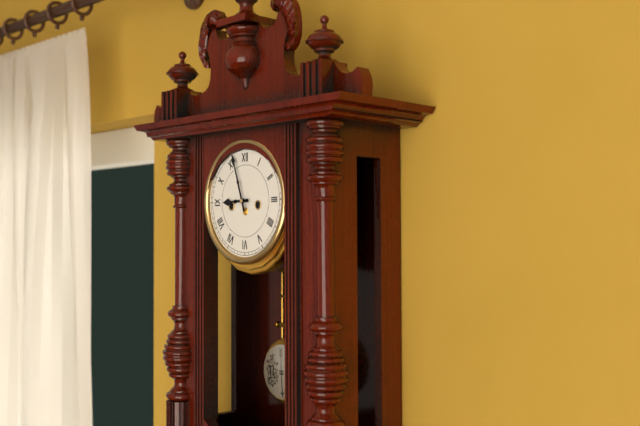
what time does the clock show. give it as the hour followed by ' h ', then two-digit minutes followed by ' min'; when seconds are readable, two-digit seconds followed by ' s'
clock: 8 h 57 min
